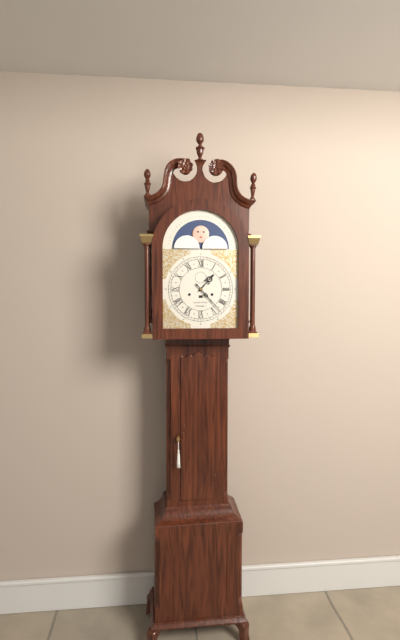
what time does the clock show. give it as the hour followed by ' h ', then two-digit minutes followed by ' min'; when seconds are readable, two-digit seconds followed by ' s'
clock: 1 h 23 min
